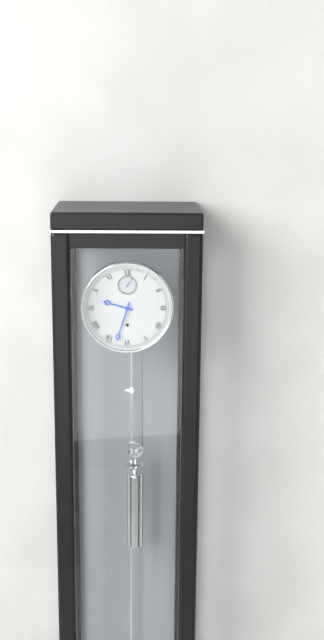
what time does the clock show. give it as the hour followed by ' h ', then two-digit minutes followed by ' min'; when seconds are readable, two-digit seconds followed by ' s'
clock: 9 h 33 min
